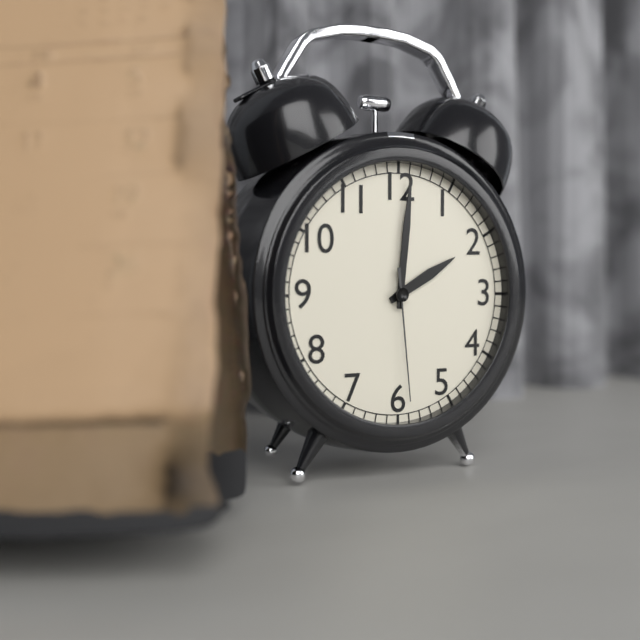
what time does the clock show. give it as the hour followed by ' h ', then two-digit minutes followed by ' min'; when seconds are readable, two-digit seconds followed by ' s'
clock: 2 h 01 min 29 s
